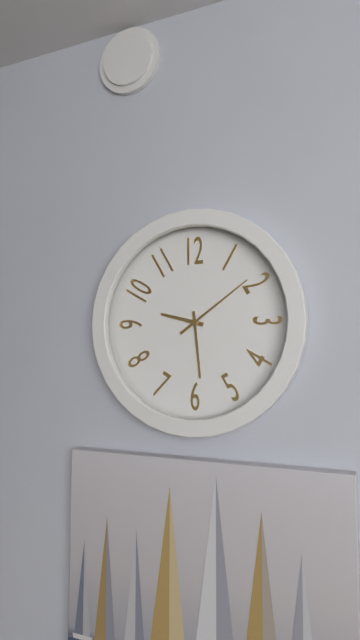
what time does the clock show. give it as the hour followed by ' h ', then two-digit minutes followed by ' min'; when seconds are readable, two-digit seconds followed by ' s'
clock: 9 h 29 min 09 s
